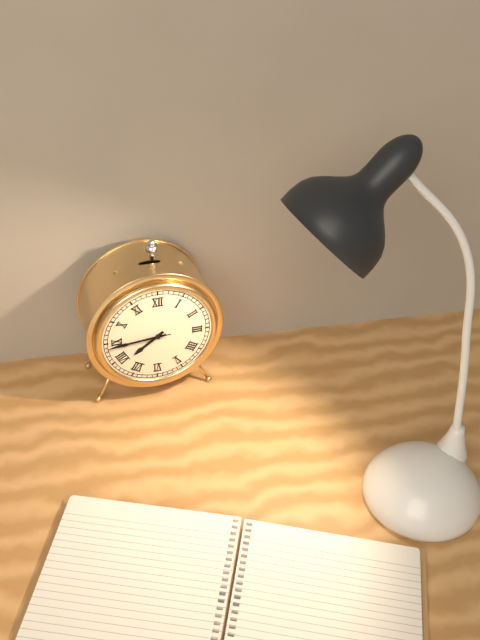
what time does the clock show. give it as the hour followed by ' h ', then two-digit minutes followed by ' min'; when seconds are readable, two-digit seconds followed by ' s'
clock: 7 h 44 min 44 s
